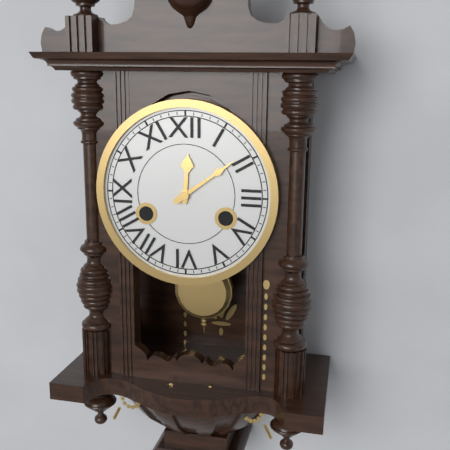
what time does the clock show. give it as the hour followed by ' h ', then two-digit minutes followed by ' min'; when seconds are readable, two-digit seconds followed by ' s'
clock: 12 h 09 min
